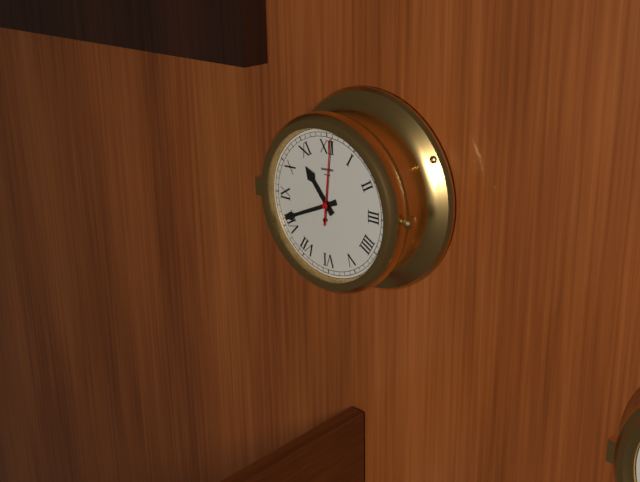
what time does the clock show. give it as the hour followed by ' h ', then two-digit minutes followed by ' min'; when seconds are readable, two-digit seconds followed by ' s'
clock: 10 h 41 min 01 s
